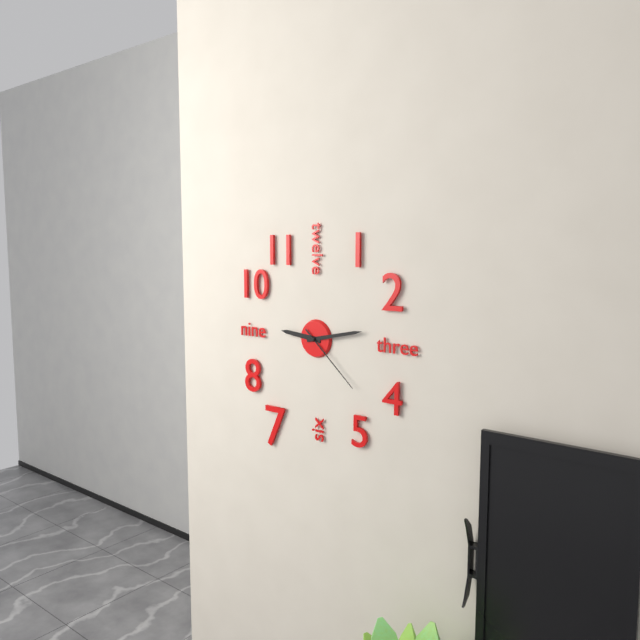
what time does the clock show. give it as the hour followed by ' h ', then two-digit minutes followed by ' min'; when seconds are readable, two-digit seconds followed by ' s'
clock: 9 h 13 min 22 s
